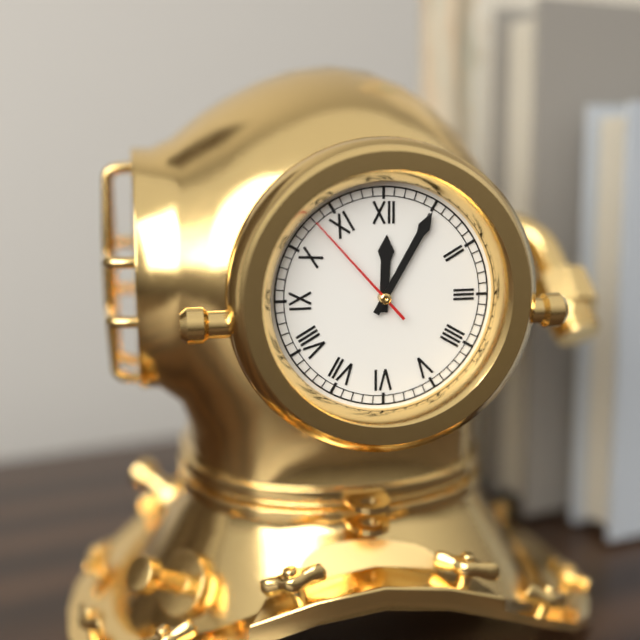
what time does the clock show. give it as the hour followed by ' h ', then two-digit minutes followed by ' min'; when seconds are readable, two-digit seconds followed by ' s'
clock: 12 h 05 min 53 s
